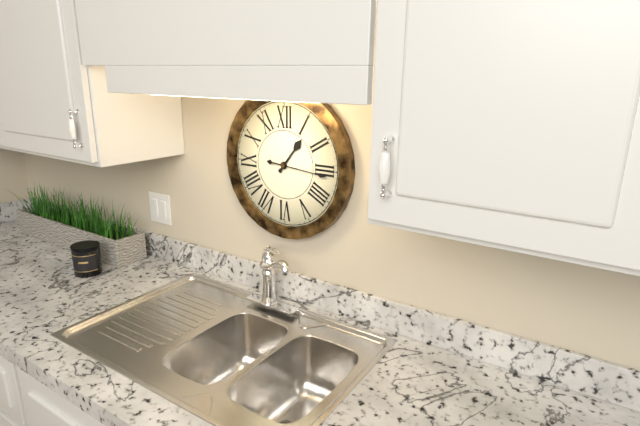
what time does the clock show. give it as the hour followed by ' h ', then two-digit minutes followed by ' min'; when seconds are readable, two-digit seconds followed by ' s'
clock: 1 h 16 min
